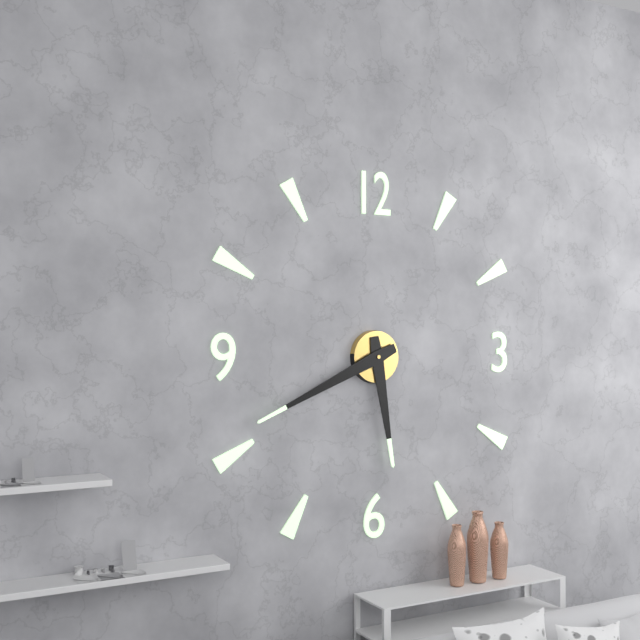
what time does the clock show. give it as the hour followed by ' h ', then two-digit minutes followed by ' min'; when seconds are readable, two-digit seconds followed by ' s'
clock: 5 h 41 min
